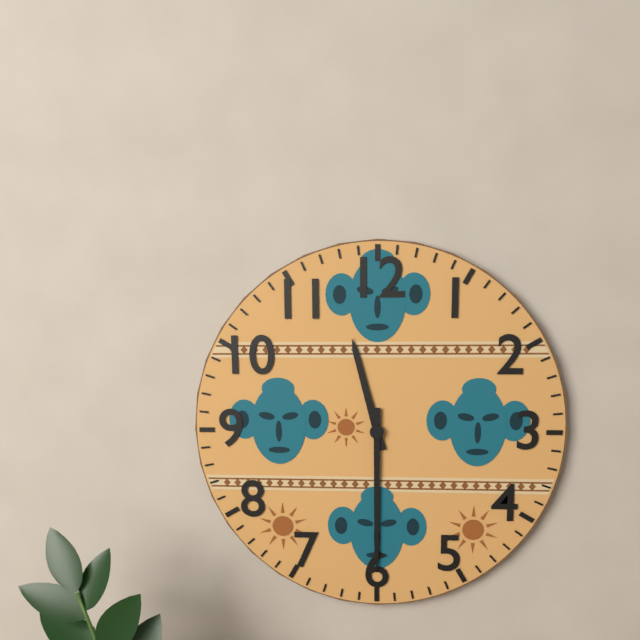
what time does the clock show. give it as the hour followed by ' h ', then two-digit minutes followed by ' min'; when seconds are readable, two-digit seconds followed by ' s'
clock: 11 h 30 min
